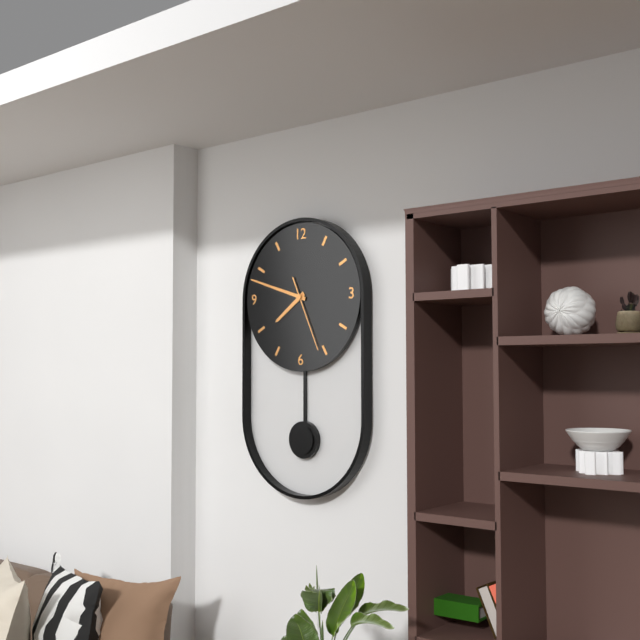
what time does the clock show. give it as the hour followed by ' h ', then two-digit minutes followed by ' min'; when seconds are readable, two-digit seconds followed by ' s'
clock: 7 h 48 min 26 s
